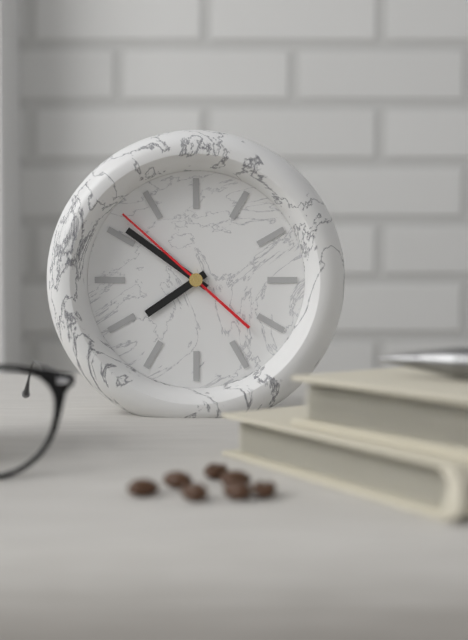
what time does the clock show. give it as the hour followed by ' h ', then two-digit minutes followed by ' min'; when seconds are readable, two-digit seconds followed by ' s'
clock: 7 h 51 min 52 s
